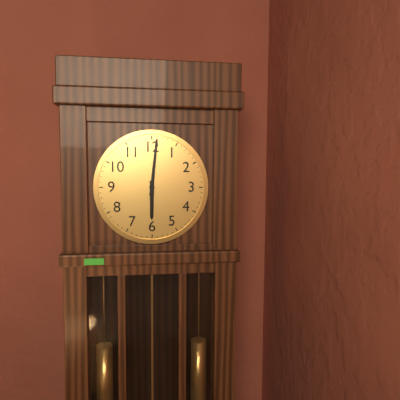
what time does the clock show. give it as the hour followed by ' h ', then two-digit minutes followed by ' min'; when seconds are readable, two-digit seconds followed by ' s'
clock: 6 h 01 min
